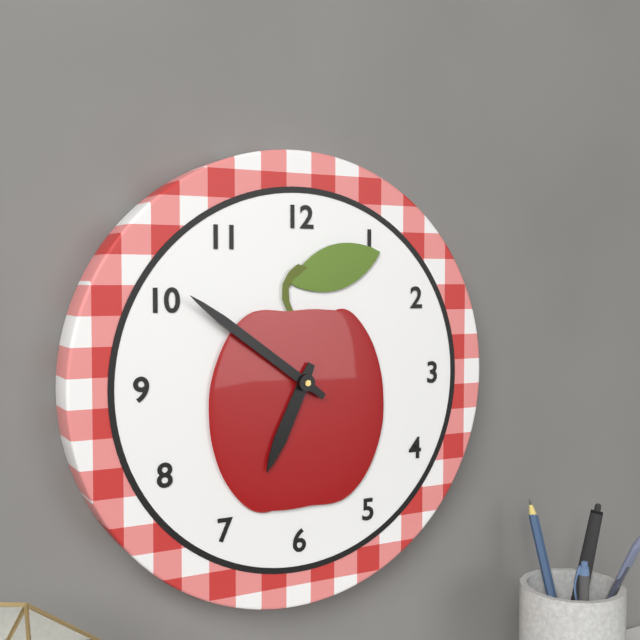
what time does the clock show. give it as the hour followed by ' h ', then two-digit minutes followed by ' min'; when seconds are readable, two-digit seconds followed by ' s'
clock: 6 h 51 min
